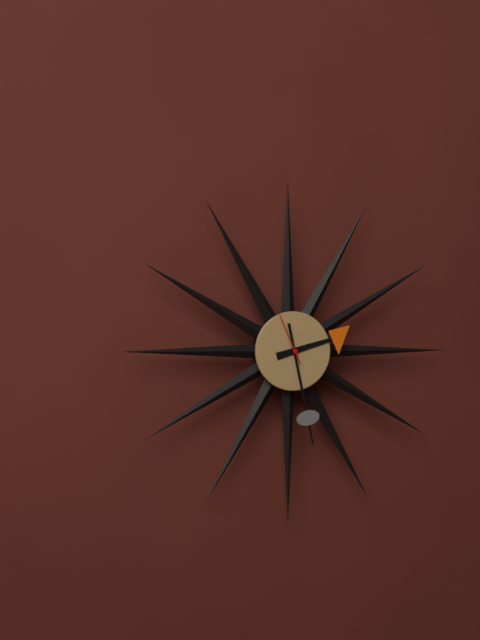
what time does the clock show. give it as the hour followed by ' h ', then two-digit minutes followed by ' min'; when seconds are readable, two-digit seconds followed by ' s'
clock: 2 h 28 min
